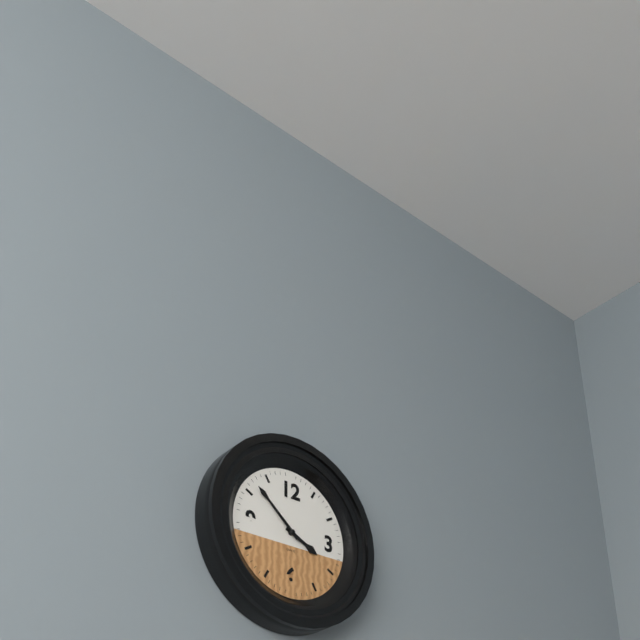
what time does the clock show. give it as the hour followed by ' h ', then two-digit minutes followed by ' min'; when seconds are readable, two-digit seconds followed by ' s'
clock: 3 h 52 min
